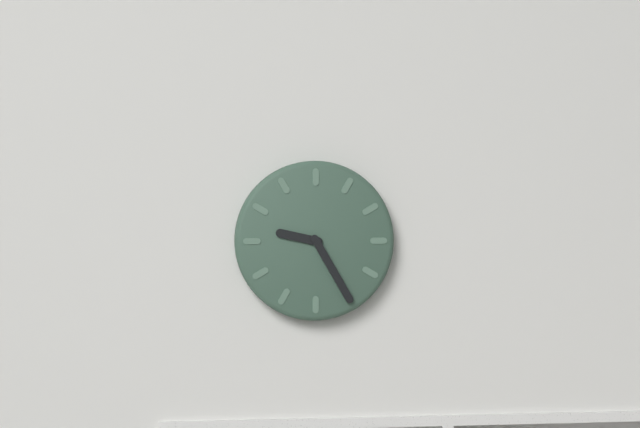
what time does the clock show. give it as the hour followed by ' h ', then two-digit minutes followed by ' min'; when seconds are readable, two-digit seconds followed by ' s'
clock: 9 h 25 min
